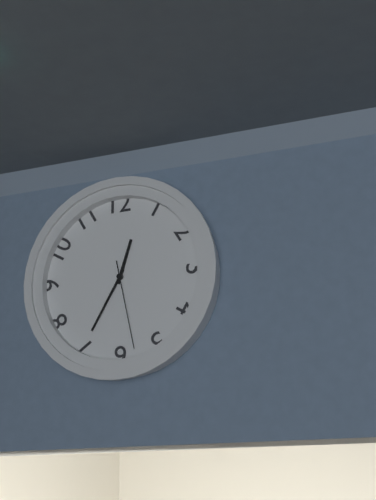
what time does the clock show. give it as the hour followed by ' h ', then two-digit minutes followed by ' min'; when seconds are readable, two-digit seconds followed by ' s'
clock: 12 h 35 min 28 s
